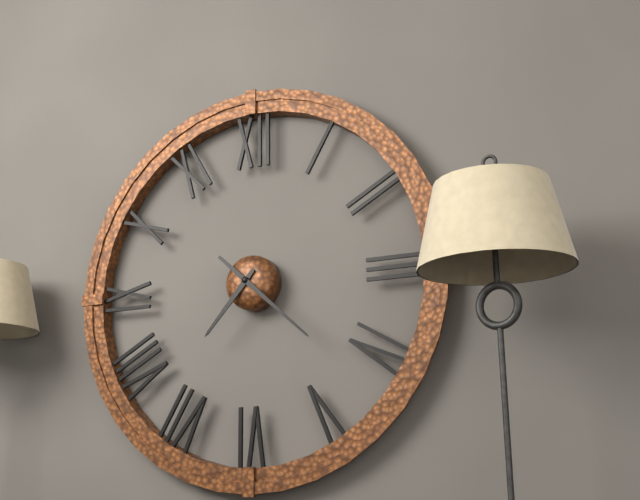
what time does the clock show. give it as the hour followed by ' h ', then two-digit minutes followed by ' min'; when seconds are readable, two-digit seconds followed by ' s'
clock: 7 h 22 min
